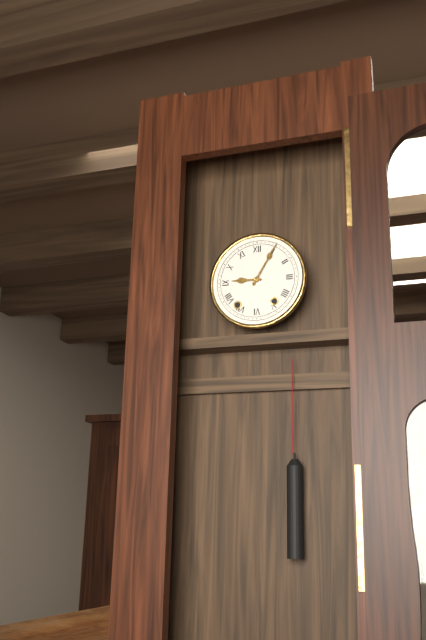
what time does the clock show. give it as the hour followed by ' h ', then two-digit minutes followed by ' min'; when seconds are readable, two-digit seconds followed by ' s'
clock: 9 h 05 min
